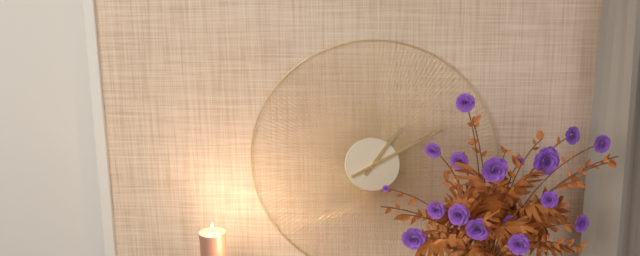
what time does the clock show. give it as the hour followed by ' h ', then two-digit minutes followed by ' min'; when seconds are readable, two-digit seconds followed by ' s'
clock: 1 h 10 min
